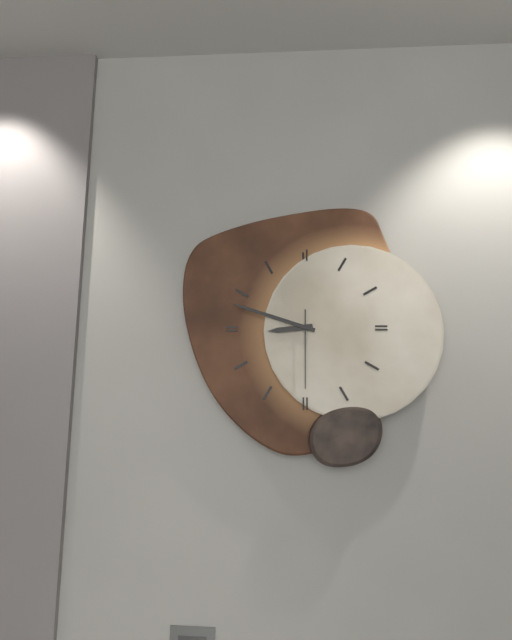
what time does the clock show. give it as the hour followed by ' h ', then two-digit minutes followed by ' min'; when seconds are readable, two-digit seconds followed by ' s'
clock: 8 h 48 min 30 s
